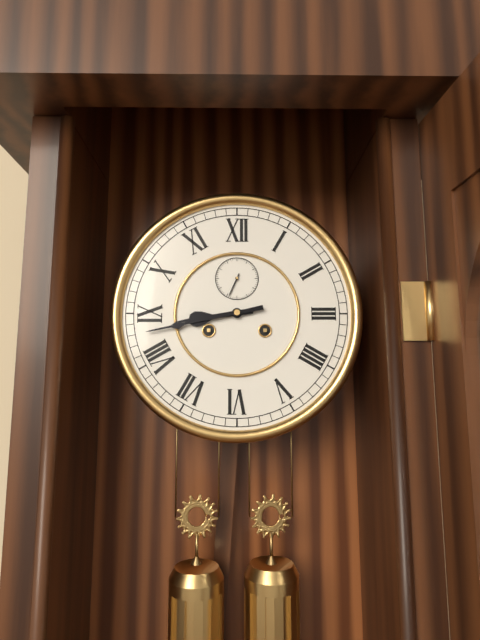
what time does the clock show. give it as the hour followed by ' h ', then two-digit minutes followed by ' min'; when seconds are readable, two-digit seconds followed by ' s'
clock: 8 h 43 min
